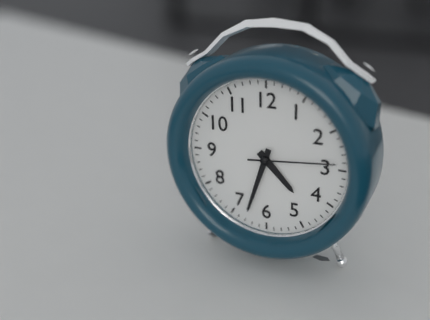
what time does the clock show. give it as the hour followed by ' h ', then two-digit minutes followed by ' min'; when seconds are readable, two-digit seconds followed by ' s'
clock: 4 h 33 min 14 s
